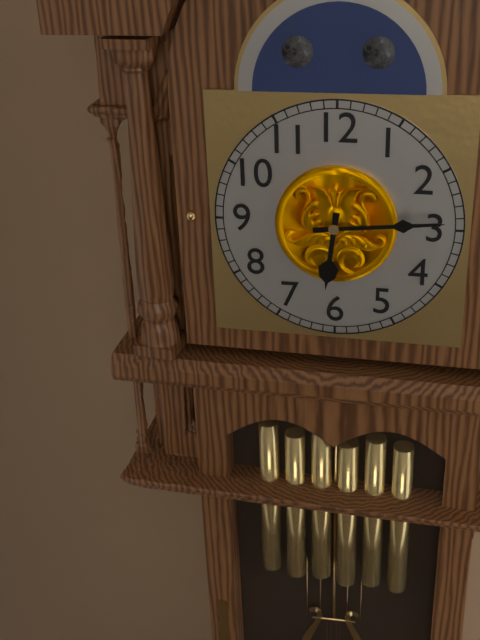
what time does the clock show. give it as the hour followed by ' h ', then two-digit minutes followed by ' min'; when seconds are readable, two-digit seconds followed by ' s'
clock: 6 h 14 min
